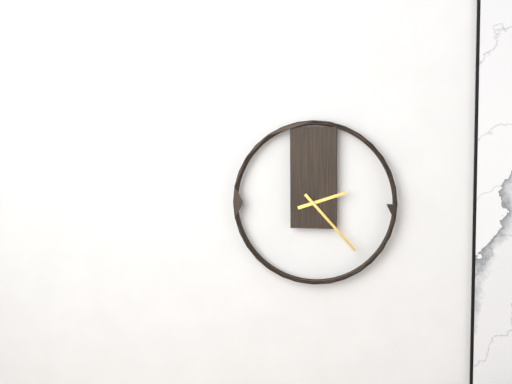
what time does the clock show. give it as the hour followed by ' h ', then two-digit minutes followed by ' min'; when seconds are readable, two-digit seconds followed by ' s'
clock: 2 h 23 min
